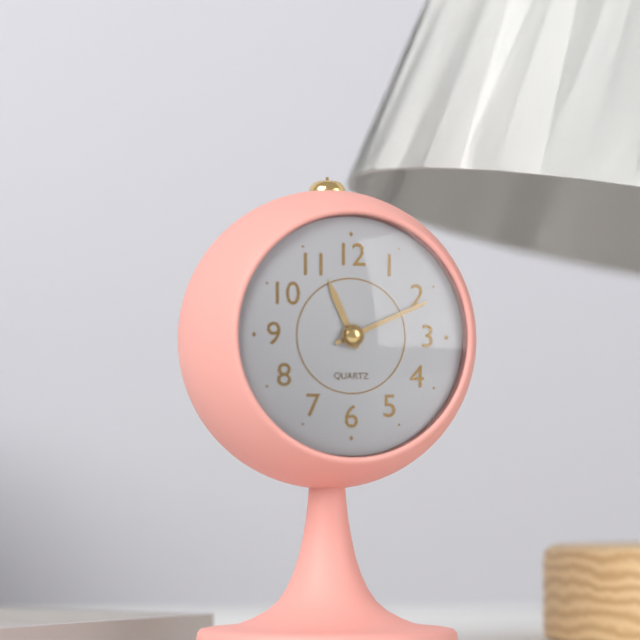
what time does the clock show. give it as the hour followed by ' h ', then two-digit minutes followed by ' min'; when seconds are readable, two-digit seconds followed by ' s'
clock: 11 h 11 min
